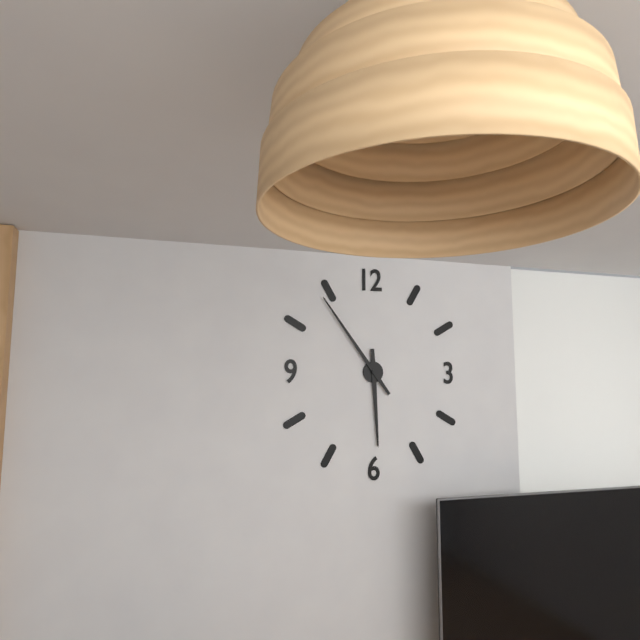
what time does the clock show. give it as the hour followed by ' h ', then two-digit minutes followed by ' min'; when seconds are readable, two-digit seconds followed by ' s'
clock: 5 h 54 min
